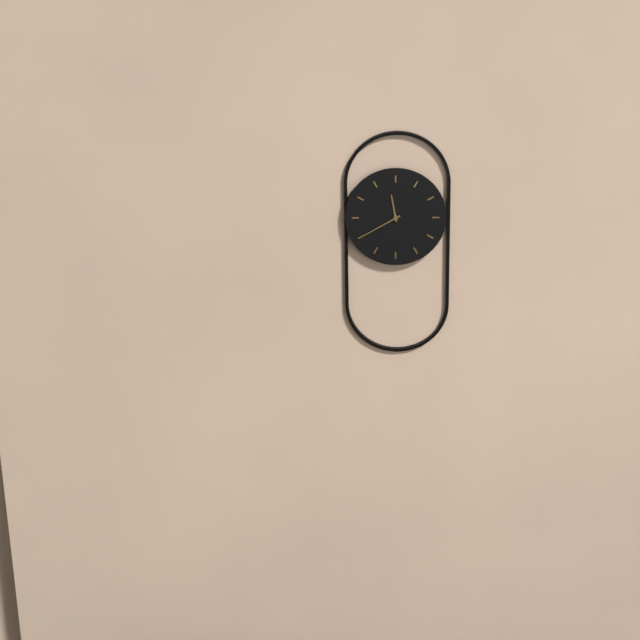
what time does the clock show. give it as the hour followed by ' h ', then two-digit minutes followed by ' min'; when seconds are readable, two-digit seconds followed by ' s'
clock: 11 h 40 min
